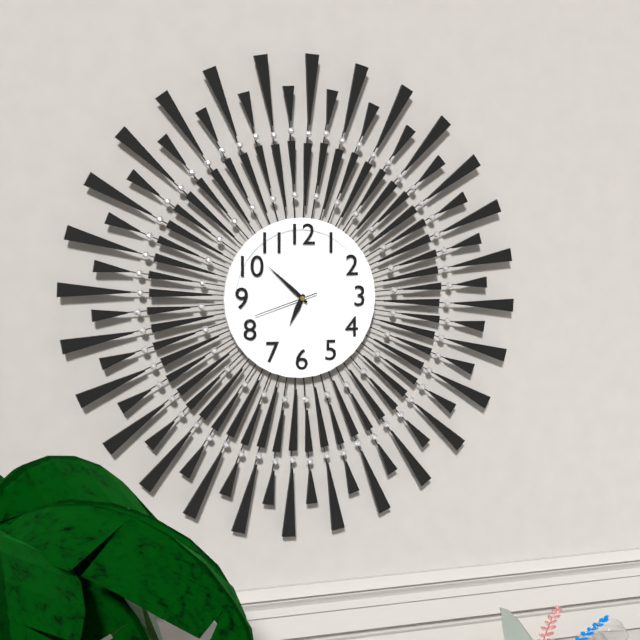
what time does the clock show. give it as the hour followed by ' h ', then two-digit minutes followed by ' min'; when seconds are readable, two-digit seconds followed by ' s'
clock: 6 h 52 min 42 s
